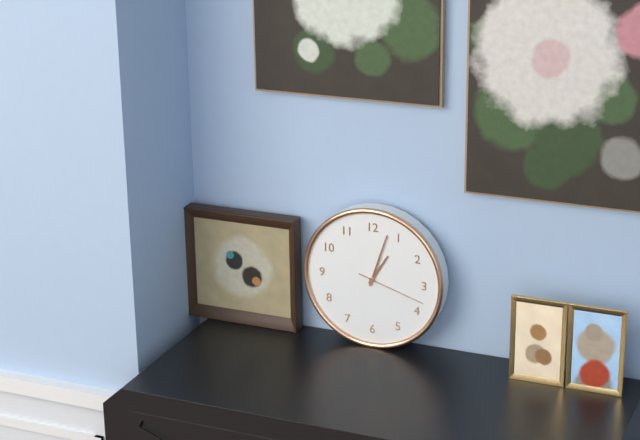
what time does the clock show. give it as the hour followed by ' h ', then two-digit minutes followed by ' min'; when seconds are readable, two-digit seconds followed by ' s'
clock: 1 h 03 min 18 s
